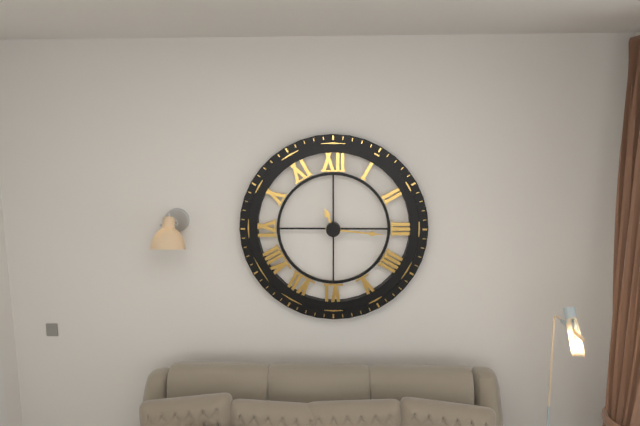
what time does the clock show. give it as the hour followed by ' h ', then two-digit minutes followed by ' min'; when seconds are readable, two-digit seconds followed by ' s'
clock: 11 h 16 min
